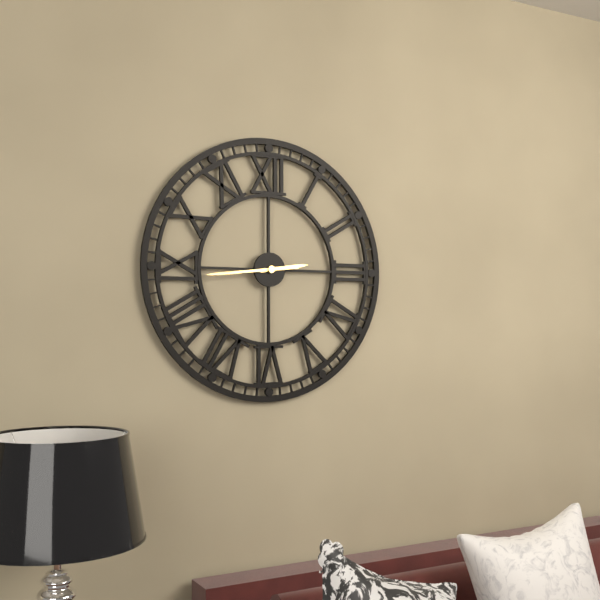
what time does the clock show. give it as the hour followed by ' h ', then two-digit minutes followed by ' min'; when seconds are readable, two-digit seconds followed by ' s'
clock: 2 h 44 min
